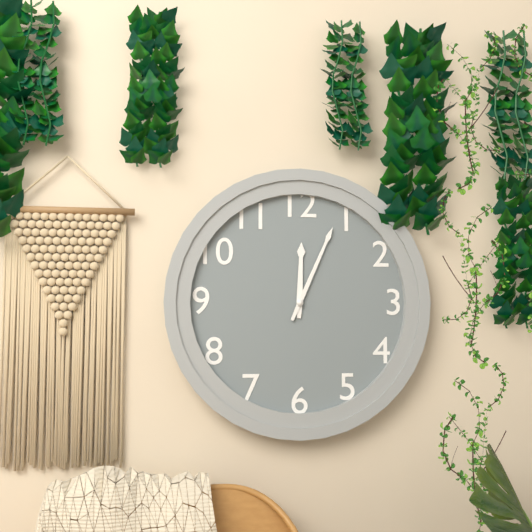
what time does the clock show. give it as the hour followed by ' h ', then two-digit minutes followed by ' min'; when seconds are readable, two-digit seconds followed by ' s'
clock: 12 h 04 min
